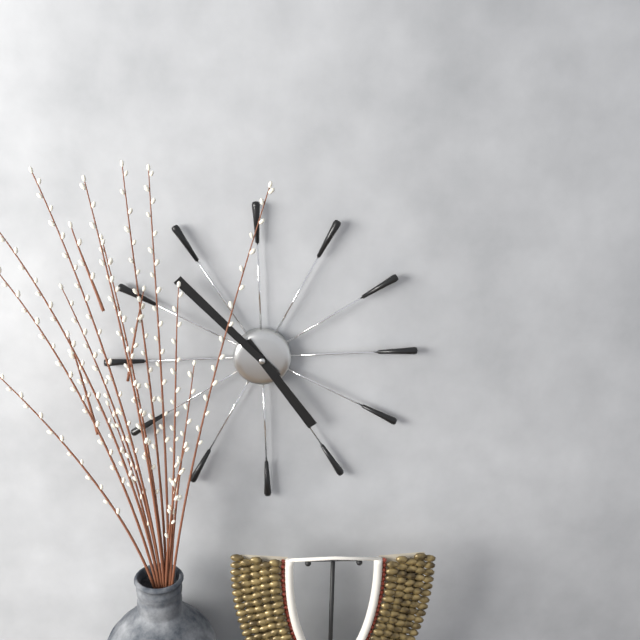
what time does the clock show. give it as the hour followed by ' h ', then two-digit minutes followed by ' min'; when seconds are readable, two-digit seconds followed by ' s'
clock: 4 h 53 min
